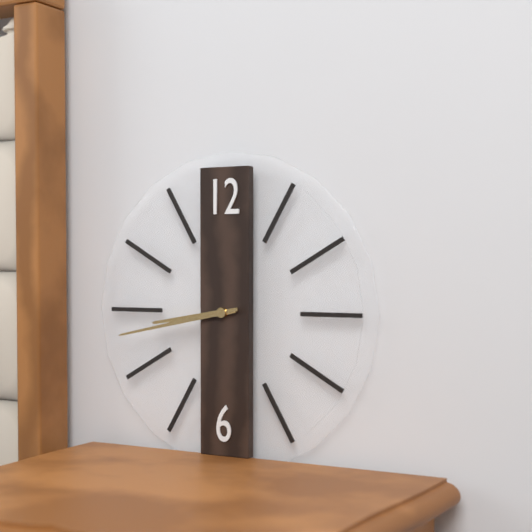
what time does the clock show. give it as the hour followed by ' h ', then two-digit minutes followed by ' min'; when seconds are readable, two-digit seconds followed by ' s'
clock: 8 h 43 min
